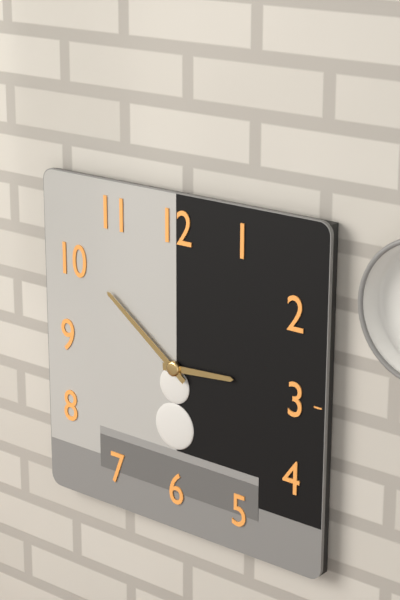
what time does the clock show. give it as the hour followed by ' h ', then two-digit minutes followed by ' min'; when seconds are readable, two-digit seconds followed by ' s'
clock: 2 h 51 min
